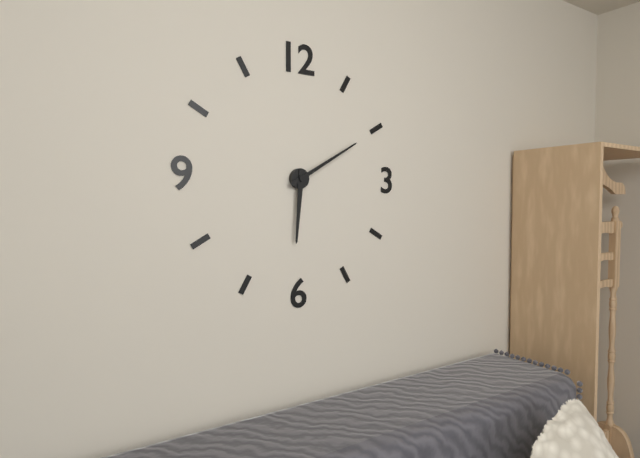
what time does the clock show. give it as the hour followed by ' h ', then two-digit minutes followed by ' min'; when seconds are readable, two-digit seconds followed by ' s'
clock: 6 h 10 min
